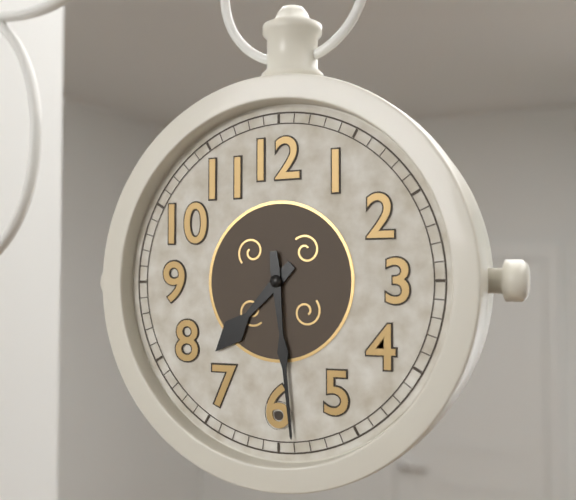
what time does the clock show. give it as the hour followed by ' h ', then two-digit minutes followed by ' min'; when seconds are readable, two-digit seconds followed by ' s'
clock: 7 h 29 min
